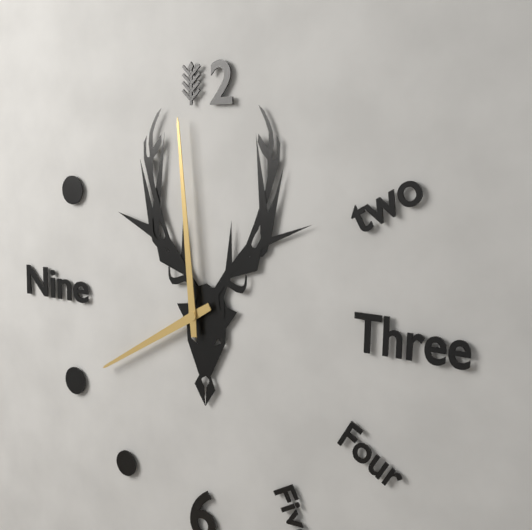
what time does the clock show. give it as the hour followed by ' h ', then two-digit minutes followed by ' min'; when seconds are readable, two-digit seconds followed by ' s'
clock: 7 h 59 min
